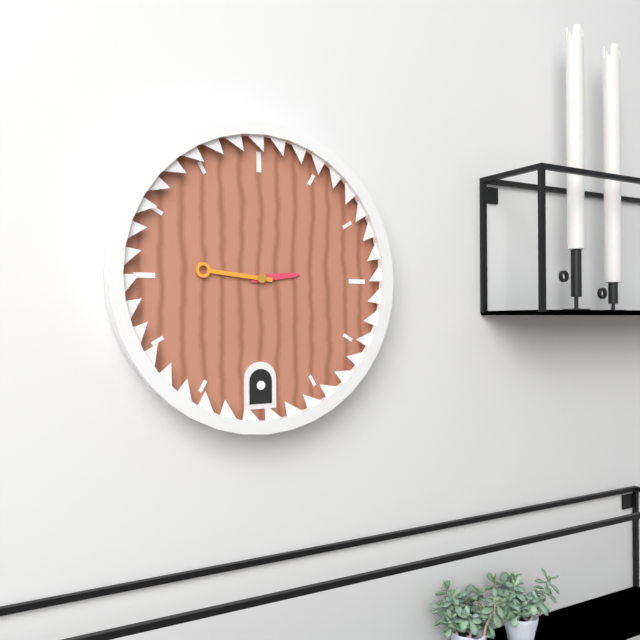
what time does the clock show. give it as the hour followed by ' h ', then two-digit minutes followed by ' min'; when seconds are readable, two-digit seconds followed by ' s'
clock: 2 h 46 min
